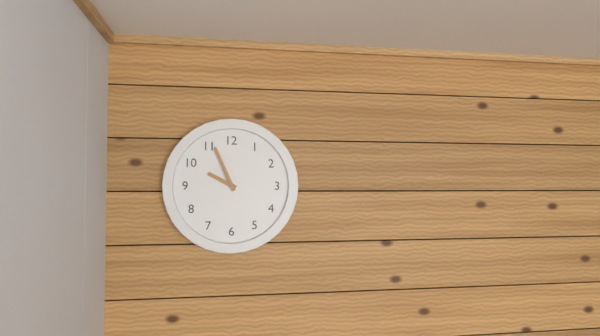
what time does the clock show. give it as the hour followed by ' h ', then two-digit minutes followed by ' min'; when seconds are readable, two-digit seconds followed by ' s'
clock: 9 h 56 min
